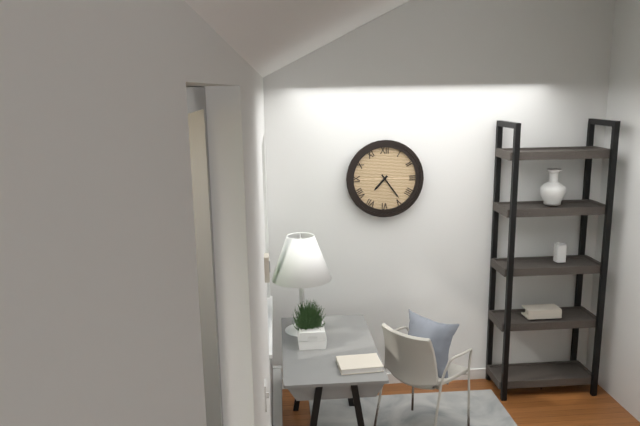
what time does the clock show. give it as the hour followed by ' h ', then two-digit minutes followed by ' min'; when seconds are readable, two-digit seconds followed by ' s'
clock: 7 h 24 min
